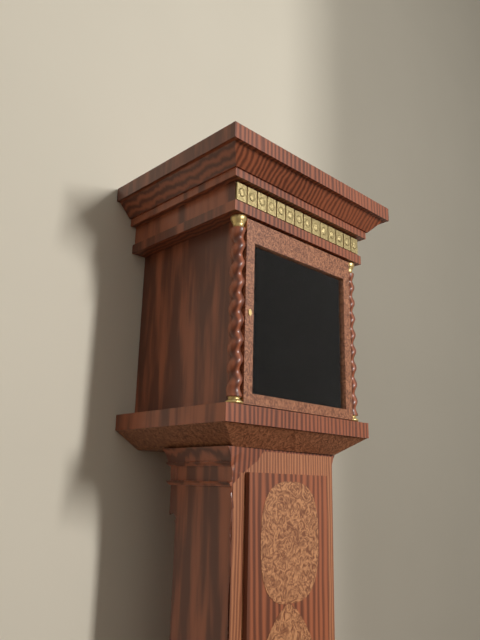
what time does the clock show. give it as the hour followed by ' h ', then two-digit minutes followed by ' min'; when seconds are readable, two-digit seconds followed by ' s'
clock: 8 h 53 min
